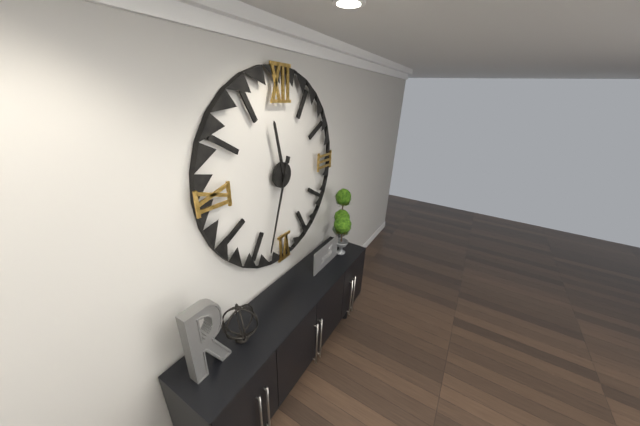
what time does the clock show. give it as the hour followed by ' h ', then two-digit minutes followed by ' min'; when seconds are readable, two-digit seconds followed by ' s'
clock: 11 h 33 min
